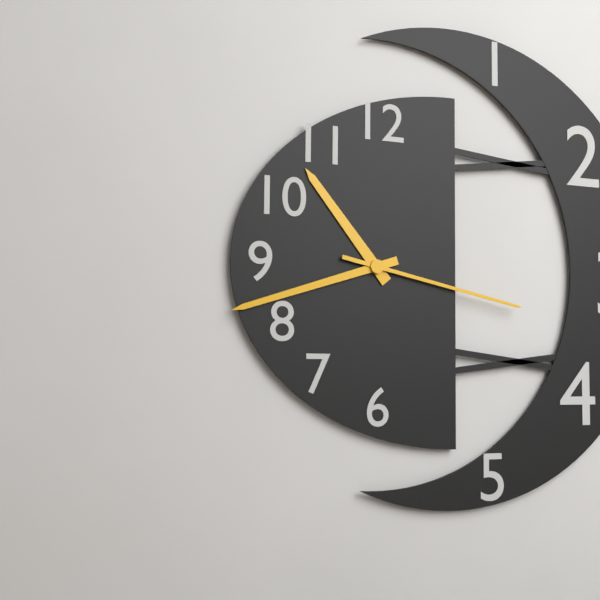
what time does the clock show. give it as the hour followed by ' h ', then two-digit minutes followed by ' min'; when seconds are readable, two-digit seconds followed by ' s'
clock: 10 h 42 min 17 s
